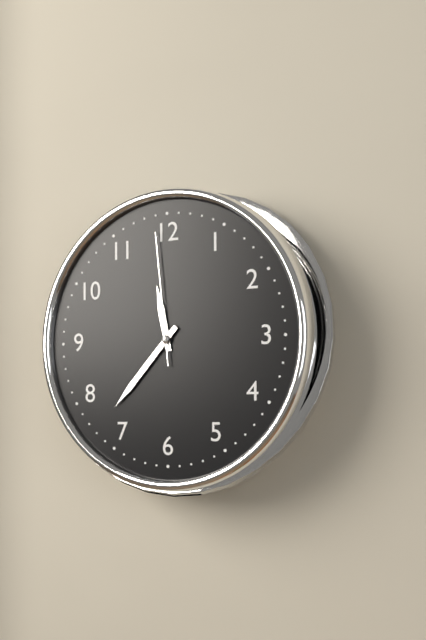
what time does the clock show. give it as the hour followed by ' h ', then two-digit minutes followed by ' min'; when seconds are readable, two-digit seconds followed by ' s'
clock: 11 h 37 min 59 s
